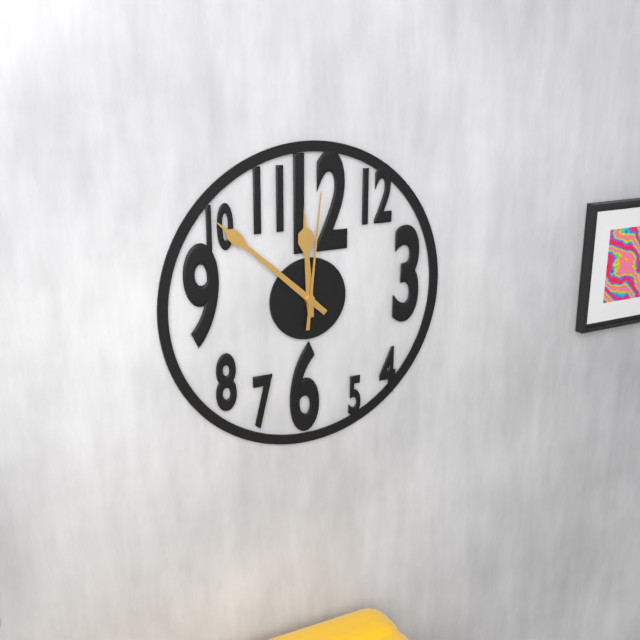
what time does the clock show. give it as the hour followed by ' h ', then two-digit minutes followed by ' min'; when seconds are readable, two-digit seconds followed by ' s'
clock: 11 h 52 min 01 s
